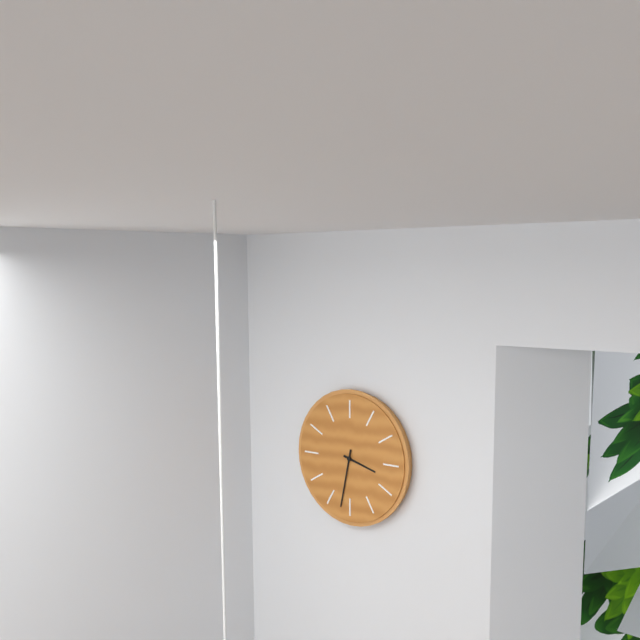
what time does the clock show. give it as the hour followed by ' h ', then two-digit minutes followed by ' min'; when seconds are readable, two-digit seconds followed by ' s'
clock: 3 h 32 min
